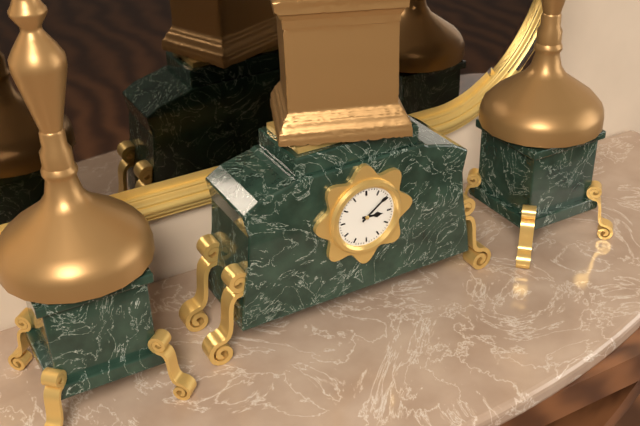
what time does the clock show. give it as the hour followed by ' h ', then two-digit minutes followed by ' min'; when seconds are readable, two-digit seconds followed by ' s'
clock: 3 h 09 min
